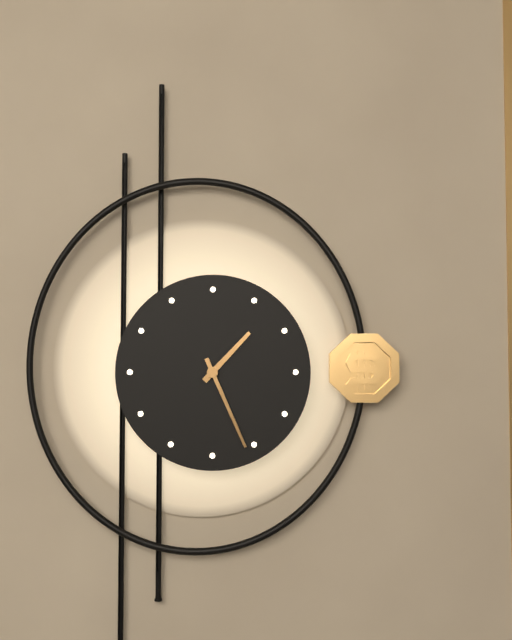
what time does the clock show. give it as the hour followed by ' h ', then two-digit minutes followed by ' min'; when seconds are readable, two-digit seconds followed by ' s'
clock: 1 h 26 min
